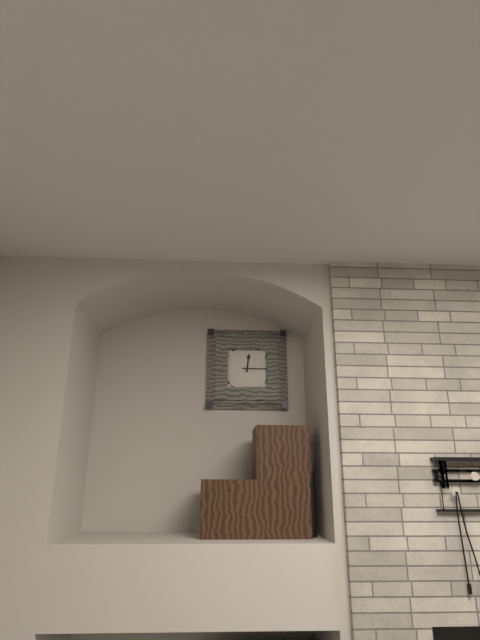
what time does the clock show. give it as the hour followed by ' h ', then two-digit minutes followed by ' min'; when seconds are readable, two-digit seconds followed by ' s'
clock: 12 h 15 min
